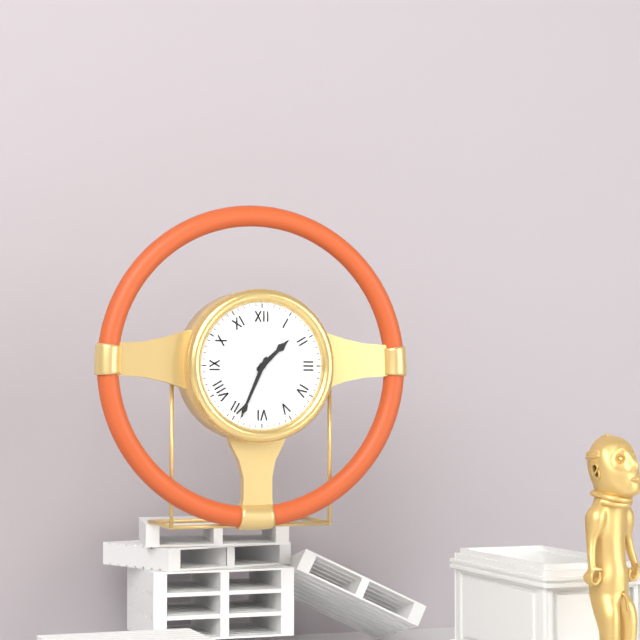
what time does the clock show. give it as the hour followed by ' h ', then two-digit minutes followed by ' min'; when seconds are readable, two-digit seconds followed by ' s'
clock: 1 h 34 min
